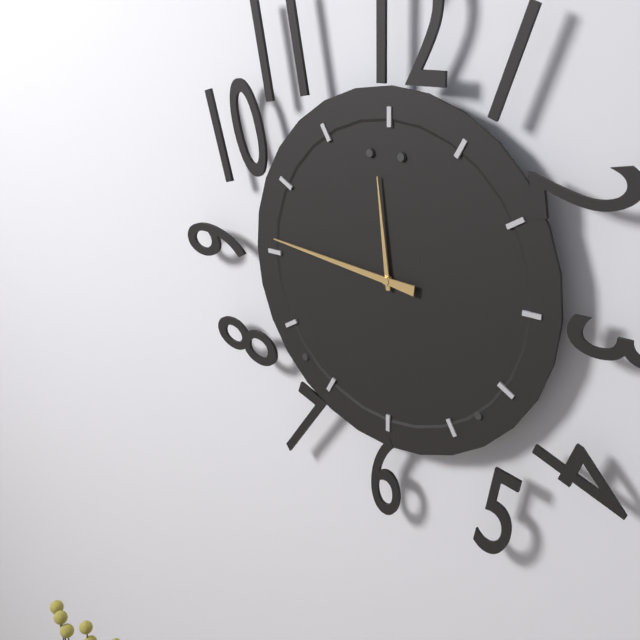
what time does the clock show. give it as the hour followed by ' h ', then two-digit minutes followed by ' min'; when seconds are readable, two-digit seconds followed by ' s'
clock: 11 h 46 min
